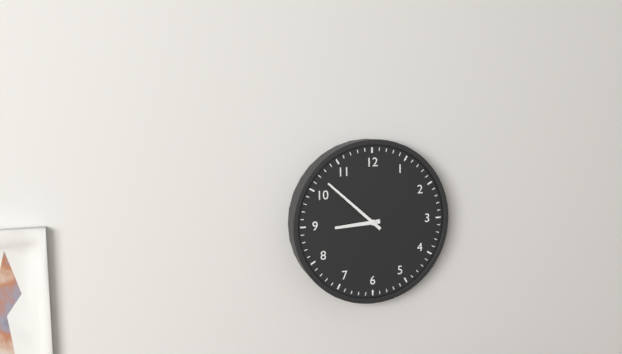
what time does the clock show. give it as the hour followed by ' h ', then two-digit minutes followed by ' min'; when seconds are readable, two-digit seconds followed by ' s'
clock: 8 h 52 min
